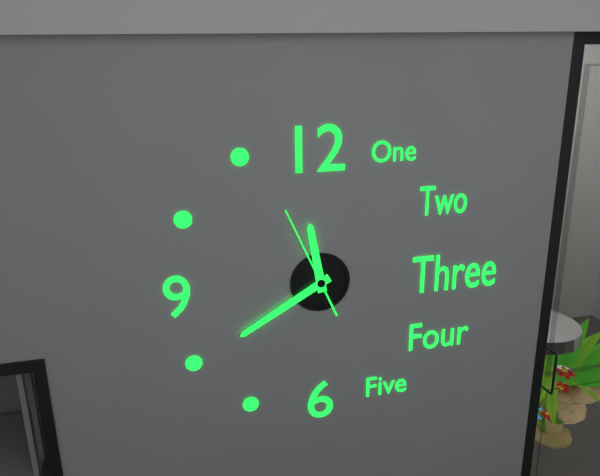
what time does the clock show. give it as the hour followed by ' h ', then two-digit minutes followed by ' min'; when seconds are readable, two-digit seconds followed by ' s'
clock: 11 h 40 min 56 s
